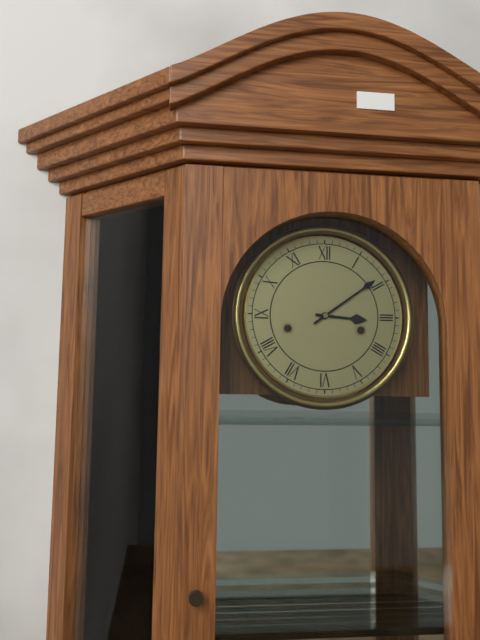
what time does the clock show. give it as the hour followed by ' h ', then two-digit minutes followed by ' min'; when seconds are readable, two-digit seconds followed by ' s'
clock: 3 h 09 min
